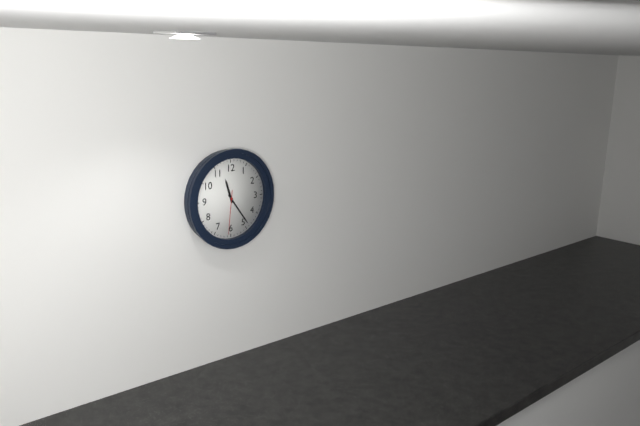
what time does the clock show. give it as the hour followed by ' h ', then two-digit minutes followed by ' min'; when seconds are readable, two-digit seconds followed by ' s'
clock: 11 h 24 min
